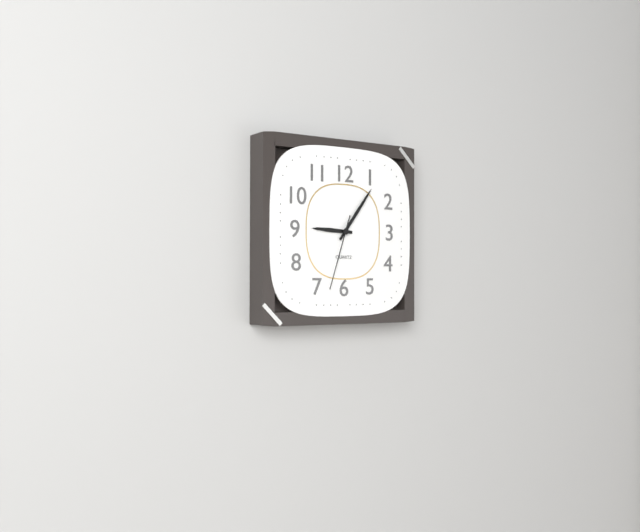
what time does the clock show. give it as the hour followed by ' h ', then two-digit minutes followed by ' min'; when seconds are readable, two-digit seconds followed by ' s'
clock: 9 h 06 min 33 s
